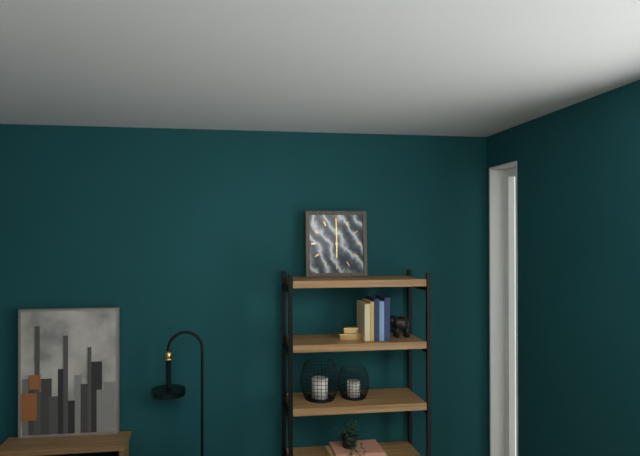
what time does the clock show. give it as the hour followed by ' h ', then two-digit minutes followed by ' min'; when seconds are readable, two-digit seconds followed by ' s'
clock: 6 h 00 min
